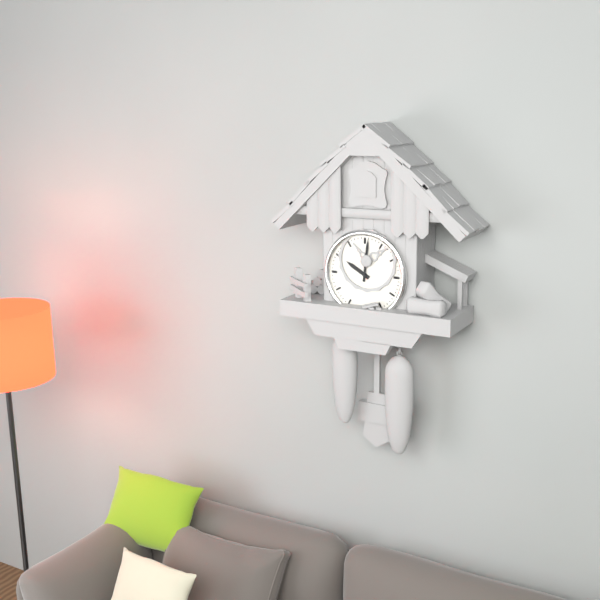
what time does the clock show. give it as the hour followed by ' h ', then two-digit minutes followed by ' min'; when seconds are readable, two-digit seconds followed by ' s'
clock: 10 h 01 min
